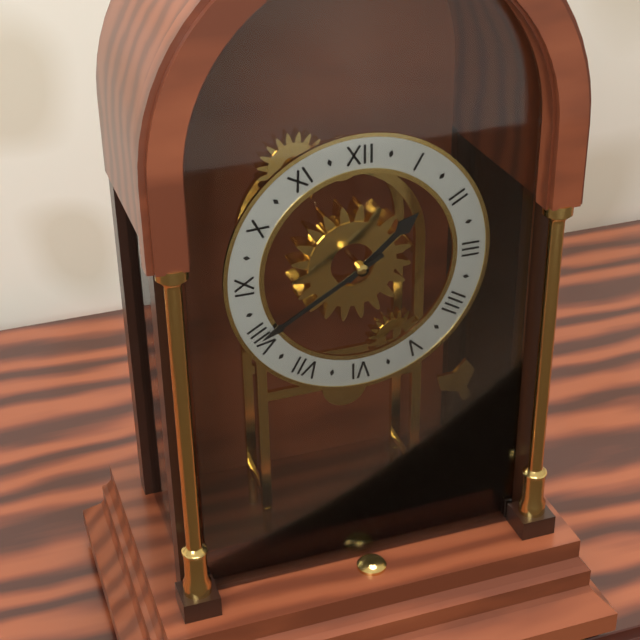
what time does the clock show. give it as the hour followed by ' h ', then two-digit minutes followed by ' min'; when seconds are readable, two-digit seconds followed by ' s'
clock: 1 h 40 min
